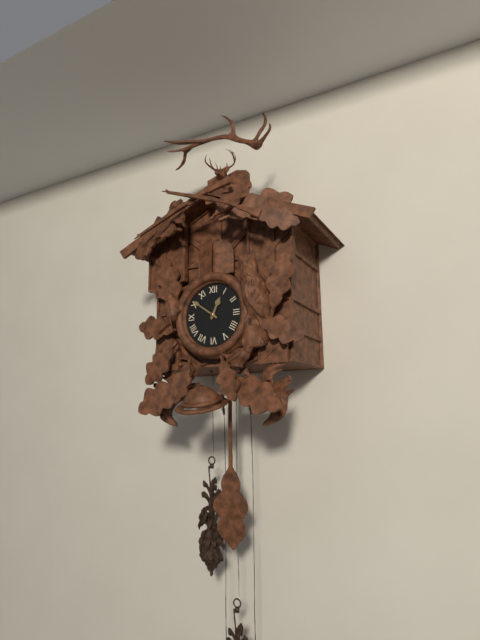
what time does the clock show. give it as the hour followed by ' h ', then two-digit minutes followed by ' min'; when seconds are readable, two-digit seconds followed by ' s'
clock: 12 h 51 min
